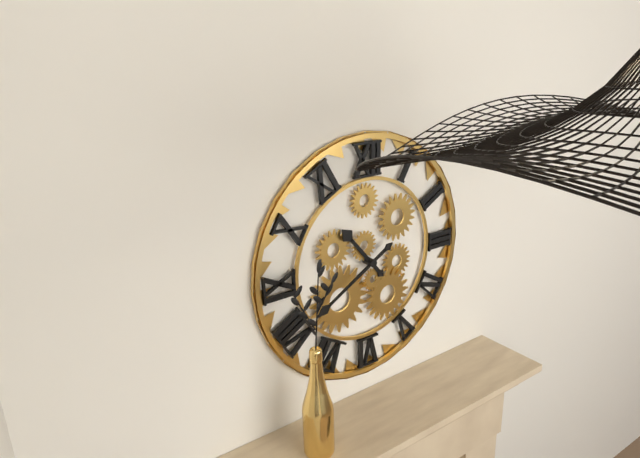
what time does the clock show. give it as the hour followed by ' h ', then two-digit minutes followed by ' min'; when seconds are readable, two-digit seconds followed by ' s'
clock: 10 h 40 min
